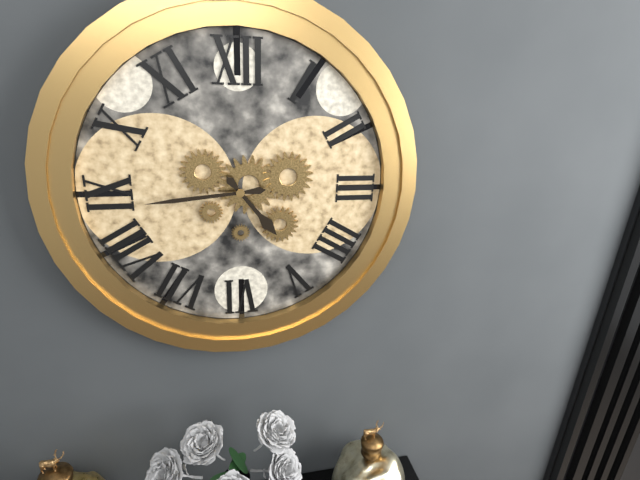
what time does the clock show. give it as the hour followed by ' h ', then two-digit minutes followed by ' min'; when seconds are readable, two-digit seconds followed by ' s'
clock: 4 h 44 min
